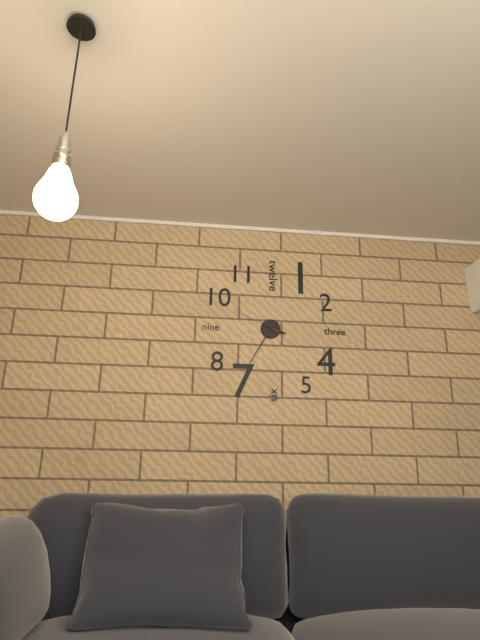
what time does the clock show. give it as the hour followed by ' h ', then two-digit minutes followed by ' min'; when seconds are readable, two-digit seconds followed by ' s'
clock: 3 h 35 min 49 s
